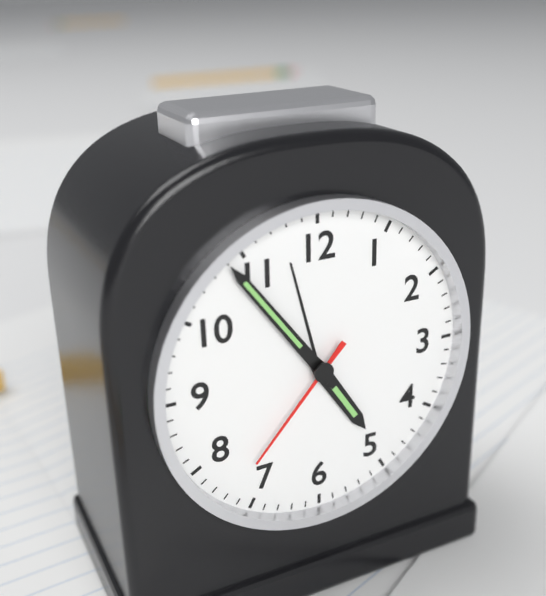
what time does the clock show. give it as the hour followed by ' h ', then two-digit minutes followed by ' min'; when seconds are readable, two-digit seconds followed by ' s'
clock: 4 h 54 min 37 s
